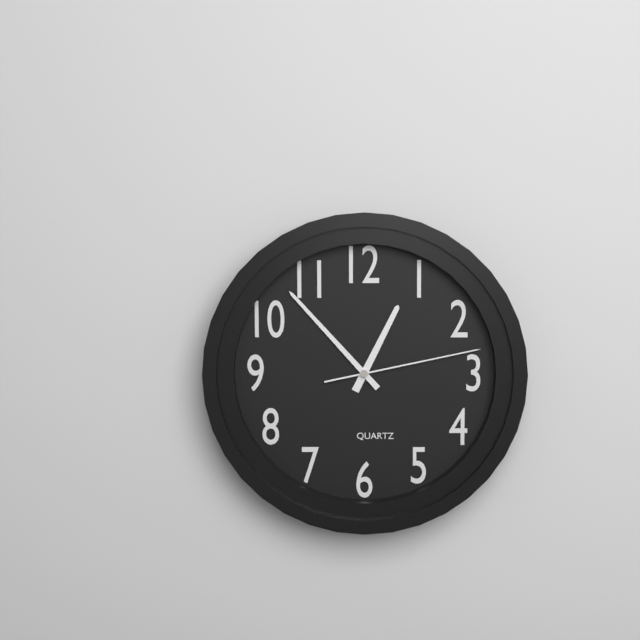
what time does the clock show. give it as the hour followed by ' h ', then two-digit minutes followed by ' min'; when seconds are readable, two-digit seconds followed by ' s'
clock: 12 h 53 min 13 s
